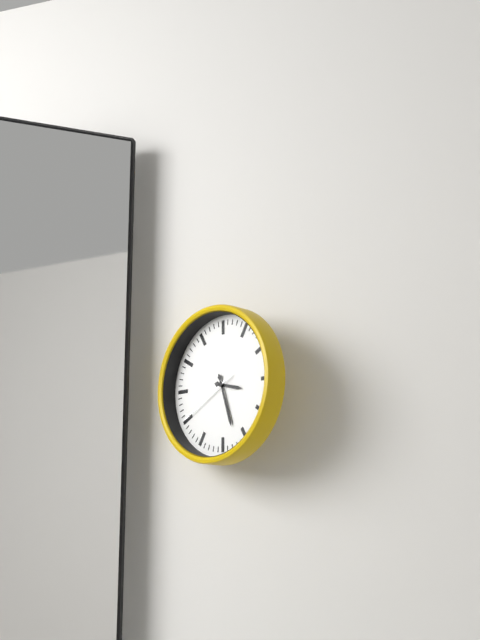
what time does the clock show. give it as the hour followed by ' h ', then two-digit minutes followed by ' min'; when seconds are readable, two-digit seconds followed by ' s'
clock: 3 h 27 min 40 s
